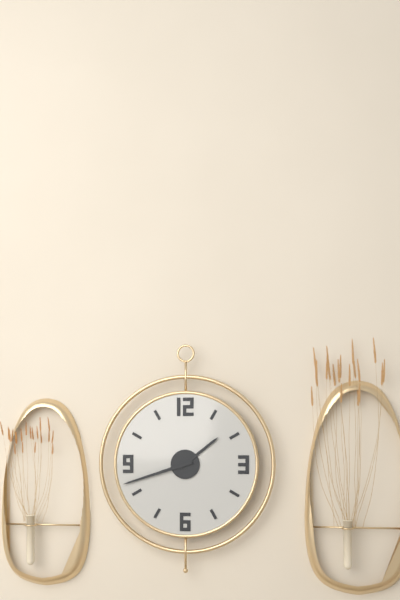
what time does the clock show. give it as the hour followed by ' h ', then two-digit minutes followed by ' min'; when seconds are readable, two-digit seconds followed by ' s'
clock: 1 h 42 min
